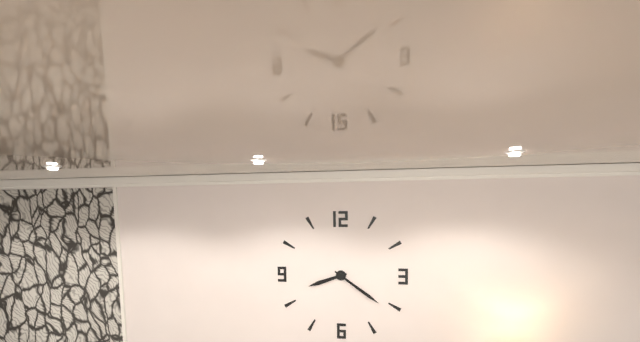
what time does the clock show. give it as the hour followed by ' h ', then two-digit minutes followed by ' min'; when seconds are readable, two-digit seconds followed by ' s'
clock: 8 h 21 min
